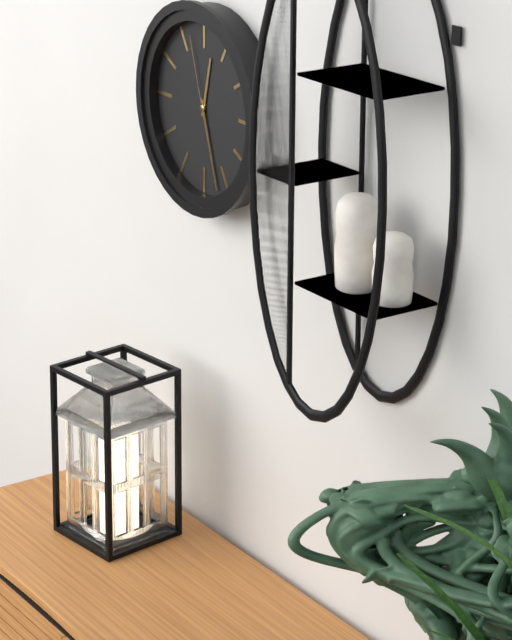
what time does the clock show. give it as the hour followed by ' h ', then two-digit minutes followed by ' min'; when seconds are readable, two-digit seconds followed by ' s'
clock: 12 h 27 min 57 s
